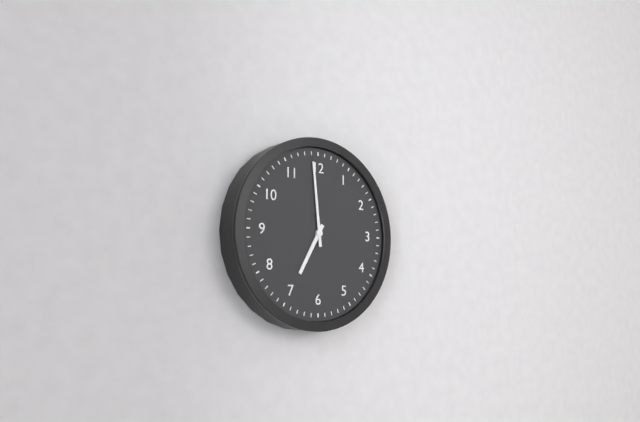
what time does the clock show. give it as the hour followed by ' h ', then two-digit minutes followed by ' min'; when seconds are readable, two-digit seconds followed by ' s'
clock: 6 h 59 min
